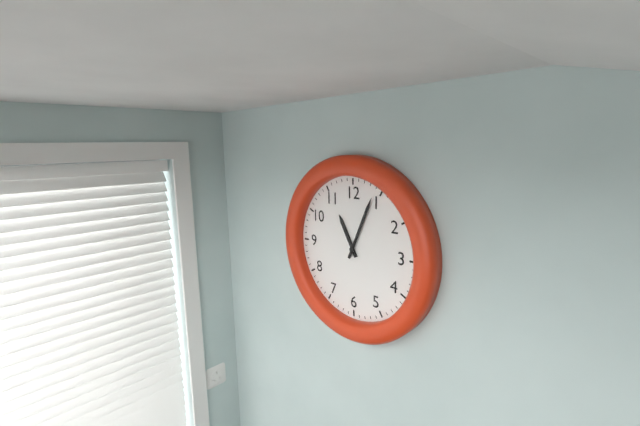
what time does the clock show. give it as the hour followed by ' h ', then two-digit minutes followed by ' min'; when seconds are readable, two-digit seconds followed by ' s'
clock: 11 h 04 min
